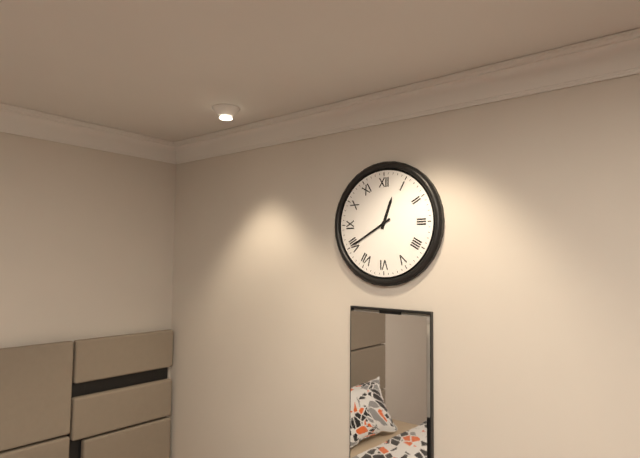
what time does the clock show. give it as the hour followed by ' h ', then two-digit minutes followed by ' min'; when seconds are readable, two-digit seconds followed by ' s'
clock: 12 h 40 min
